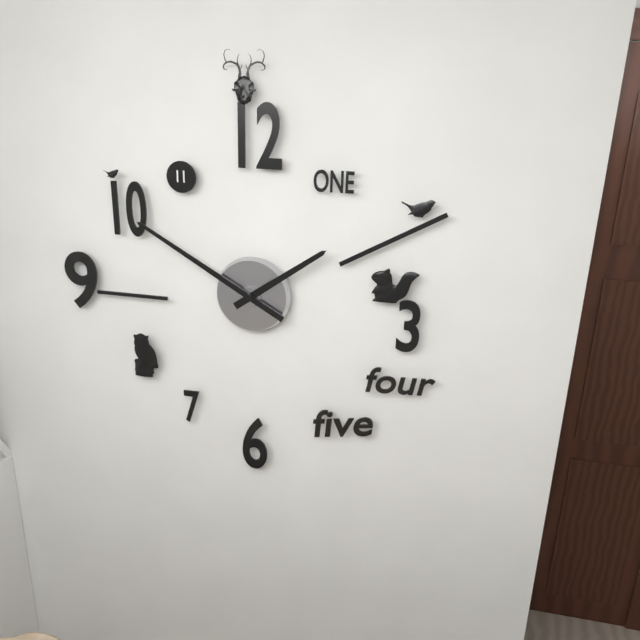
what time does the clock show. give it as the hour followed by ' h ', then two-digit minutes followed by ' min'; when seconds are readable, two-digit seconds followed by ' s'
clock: 1 h 50 min
